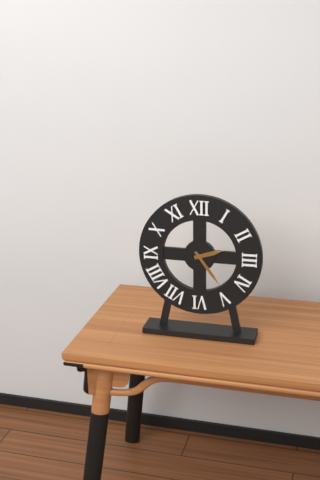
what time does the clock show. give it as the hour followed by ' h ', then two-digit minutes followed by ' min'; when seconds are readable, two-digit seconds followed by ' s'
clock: 2 h 24 min
